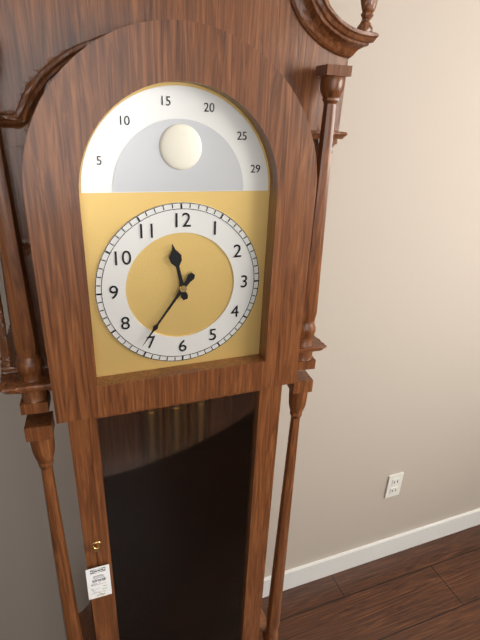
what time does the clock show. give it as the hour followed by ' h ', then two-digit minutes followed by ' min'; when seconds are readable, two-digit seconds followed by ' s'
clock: 11 h 36 min
